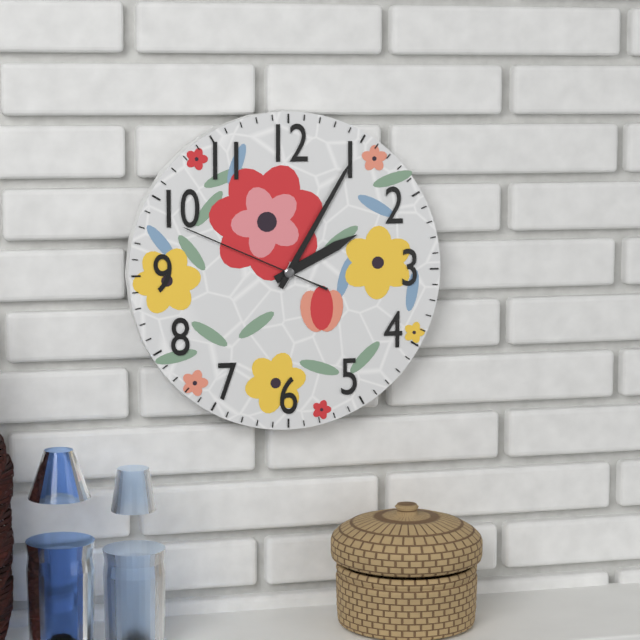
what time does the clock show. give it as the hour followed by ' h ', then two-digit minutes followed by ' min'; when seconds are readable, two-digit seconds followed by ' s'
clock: 2 h 05 min 49 s
